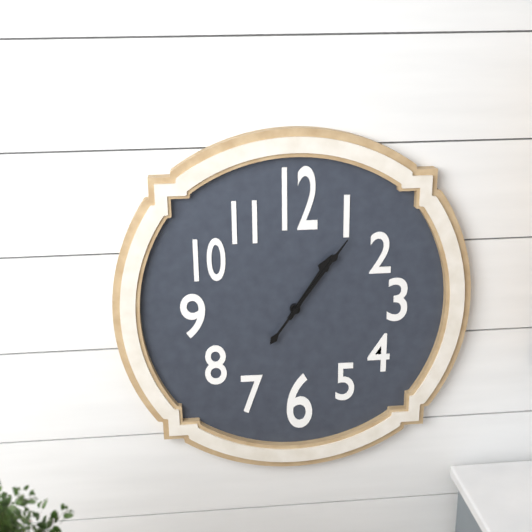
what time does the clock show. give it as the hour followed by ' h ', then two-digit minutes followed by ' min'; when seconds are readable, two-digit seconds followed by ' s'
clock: 1 h 06 min
